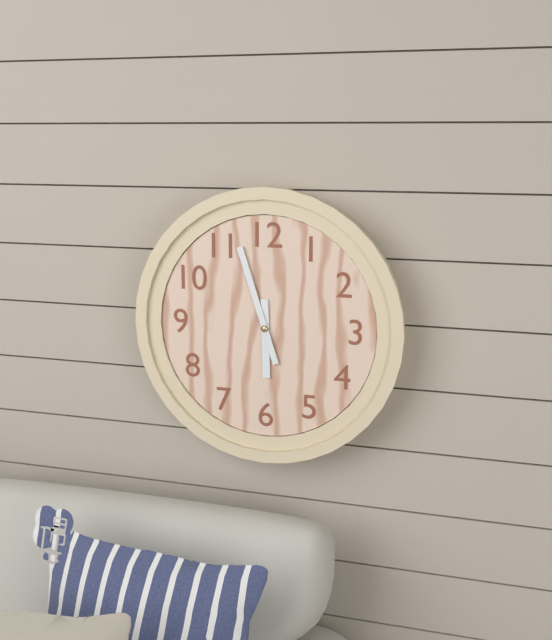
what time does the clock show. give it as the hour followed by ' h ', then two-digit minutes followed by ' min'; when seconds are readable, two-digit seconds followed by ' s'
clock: 5 h 57 min
